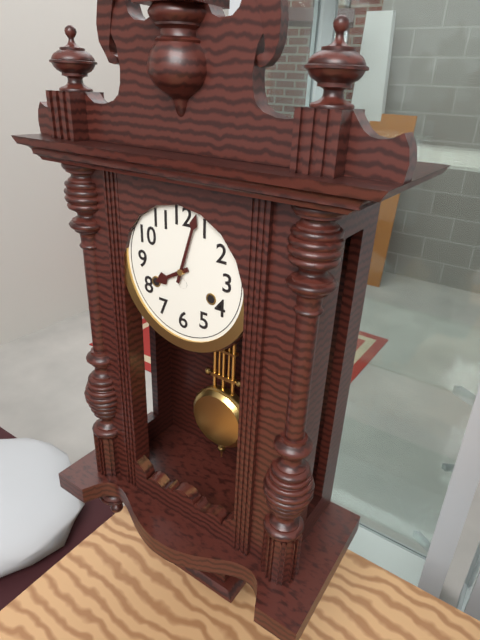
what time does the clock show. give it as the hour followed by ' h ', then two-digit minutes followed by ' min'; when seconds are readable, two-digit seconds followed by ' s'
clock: 8 h 03 min
